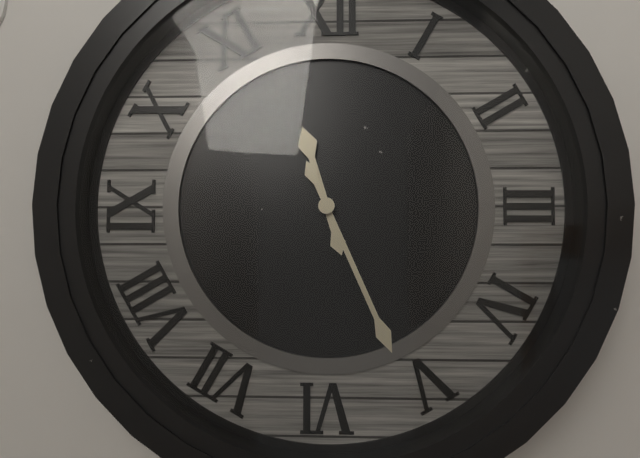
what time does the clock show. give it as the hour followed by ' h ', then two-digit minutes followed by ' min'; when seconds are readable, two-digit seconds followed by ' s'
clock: 11 h 26 min
